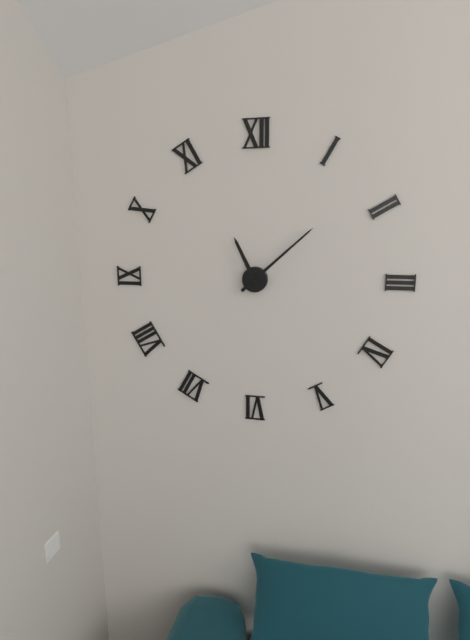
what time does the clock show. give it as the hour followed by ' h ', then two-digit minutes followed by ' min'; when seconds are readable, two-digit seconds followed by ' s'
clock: 11 h 08 min
